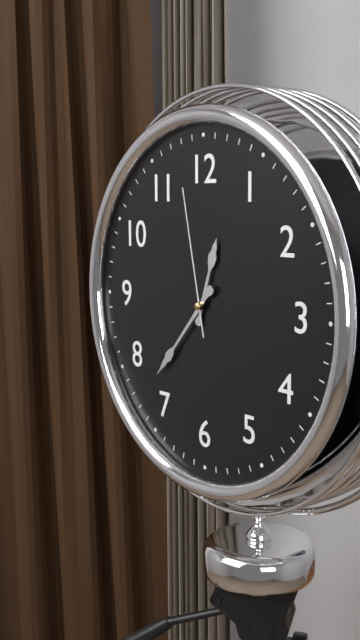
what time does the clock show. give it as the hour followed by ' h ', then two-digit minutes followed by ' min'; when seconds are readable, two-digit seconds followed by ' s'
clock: 12 h 37 min 58 s
